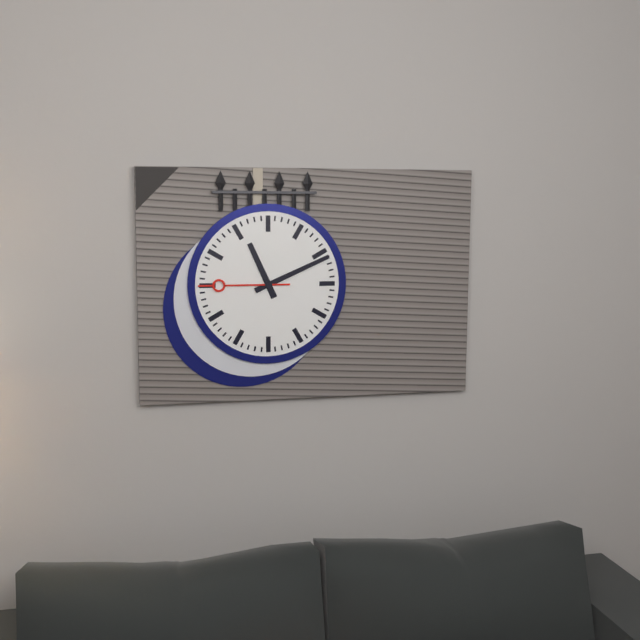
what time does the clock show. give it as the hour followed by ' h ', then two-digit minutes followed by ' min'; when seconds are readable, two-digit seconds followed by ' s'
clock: 11 h 11 min 45 s
